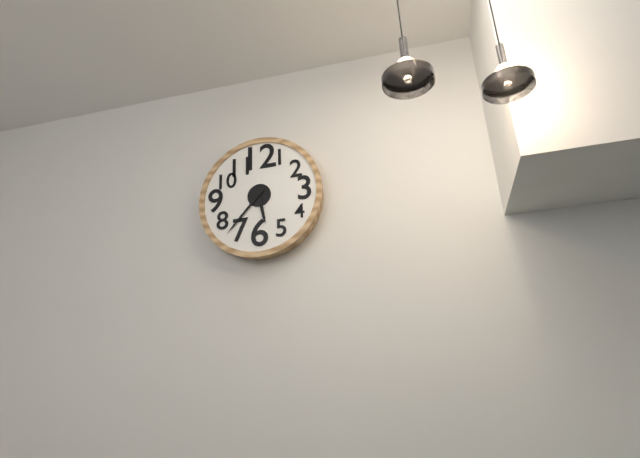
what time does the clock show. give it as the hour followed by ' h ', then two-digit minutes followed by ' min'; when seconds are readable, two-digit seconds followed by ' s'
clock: 5 h 37 min
